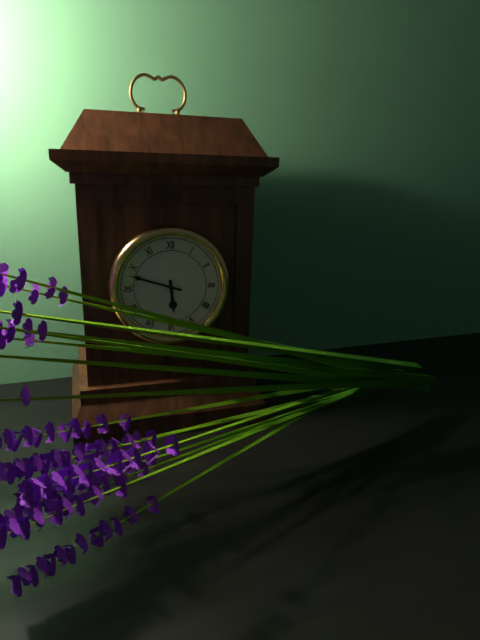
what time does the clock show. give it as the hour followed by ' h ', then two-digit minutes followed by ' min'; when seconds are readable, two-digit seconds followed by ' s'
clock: 5 h 48 min
